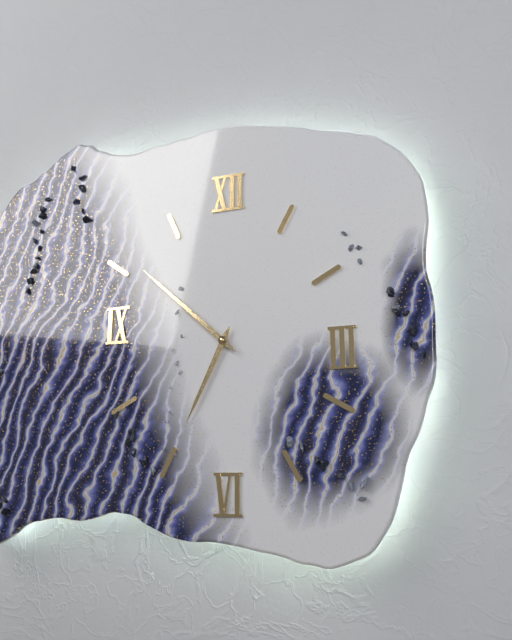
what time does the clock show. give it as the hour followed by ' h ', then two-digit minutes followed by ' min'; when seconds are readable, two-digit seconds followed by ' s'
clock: 6 h 52 min
